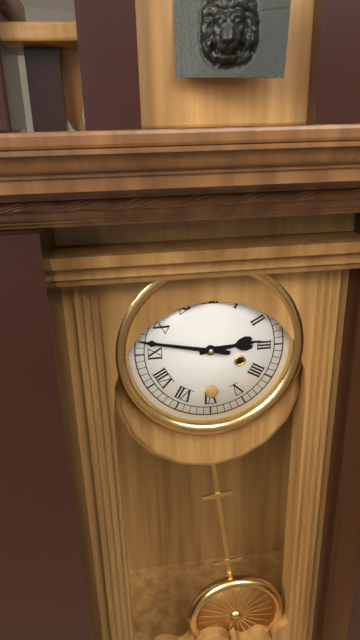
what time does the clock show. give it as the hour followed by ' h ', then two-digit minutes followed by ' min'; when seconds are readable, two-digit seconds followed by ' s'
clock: 2 h 47 min
